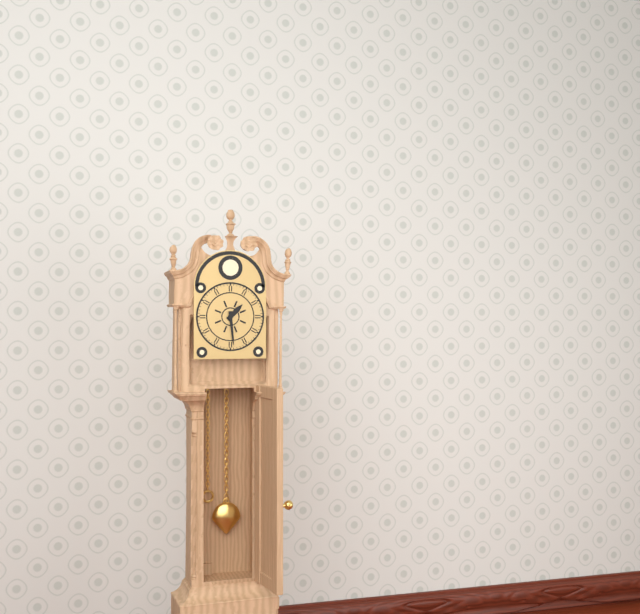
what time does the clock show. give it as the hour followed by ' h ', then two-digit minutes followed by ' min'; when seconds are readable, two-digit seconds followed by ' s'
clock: 1 h 29 min
